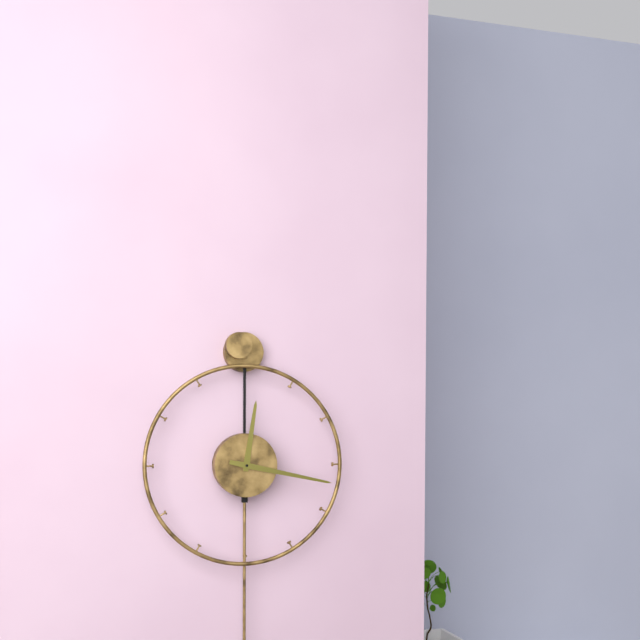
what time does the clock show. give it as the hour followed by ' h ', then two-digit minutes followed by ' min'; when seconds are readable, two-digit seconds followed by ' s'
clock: 12 h 17 min
